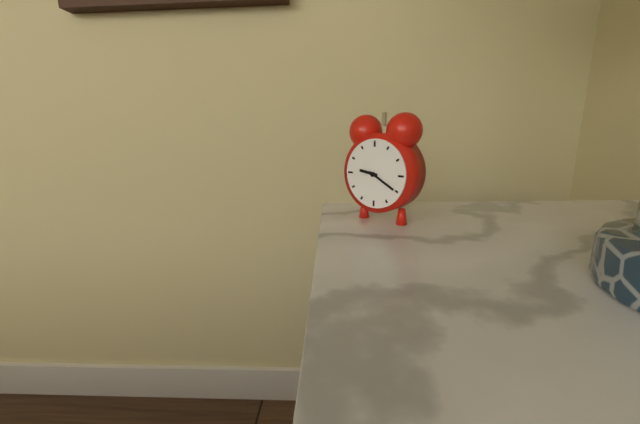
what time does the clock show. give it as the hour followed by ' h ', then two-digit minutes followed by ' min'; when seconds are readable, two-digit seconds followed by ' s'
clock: 9 h 20 min
